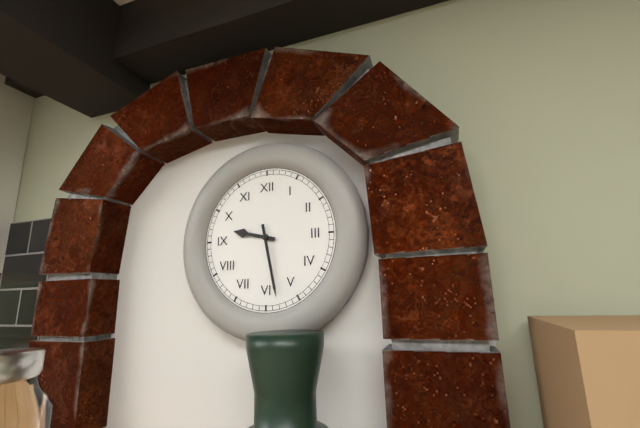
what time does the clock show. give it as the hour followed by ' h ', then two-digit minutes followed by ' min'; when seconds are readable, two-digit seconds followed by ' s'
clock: 9 h 28 min
